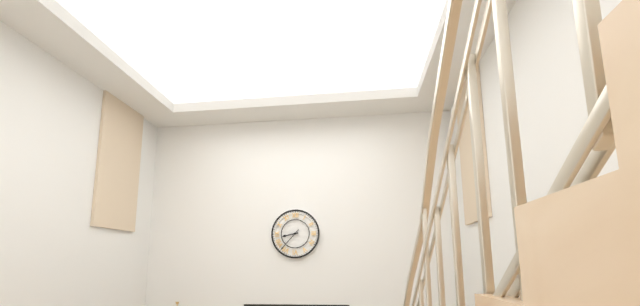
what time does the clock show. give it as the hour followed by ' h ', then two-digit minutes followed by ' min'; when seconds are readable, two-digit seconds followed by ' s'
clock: 8 h 37 min
